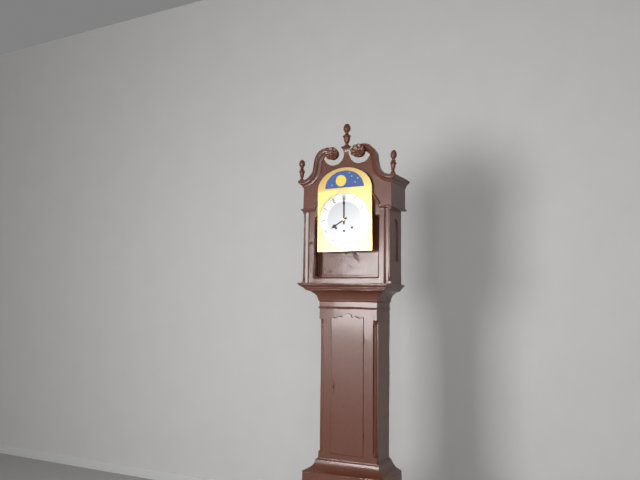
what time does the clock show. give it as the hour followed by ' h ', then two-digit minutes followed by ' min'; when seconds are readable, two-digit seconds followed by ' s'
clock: 8 h 00 min
